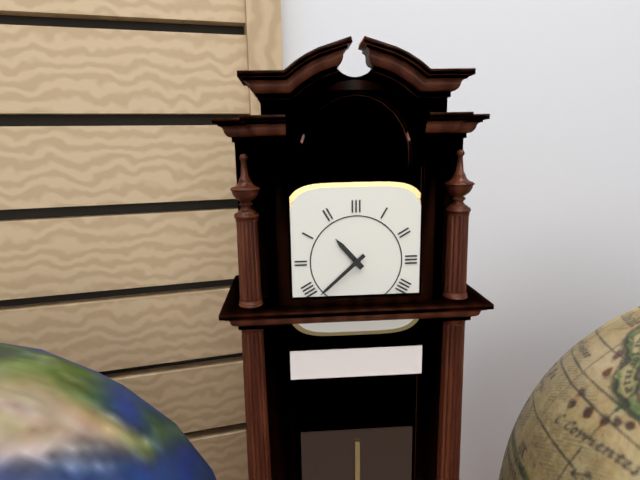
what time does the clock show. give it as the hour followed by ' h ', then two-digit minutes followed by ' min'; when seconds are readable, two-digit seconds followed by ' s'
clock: 10 h 38 min
